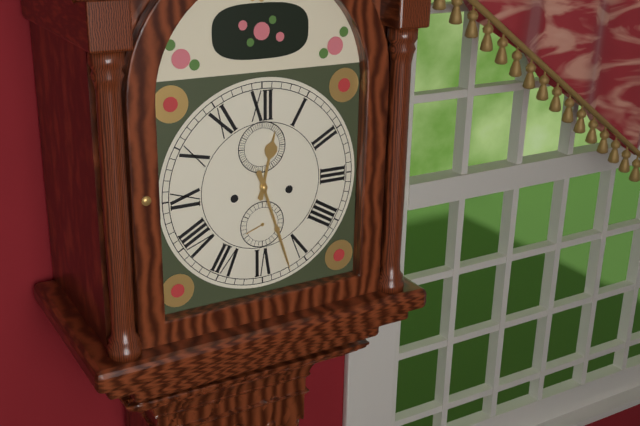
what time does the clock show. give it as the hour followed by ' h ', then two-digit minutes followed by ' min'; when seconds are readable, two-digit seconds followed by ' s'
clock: 12 h 27 min
